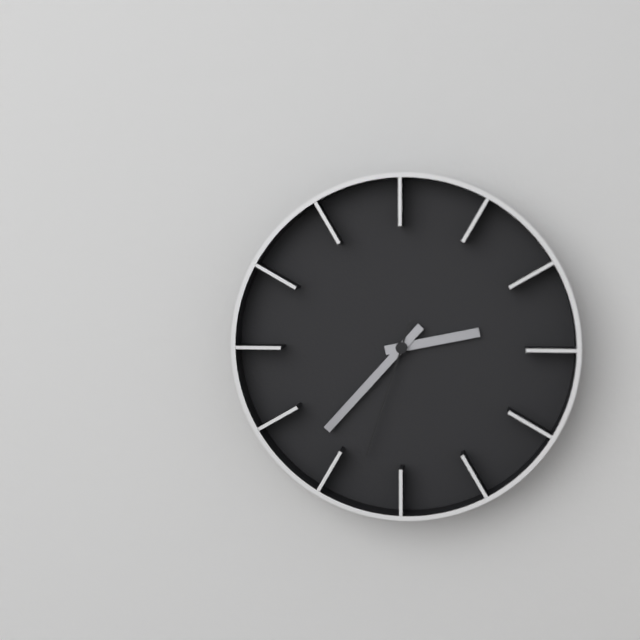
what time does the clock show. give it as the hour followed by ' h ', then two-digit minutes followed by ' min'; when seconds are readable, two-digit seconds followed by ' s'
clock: 2 h 37 min 33 s
